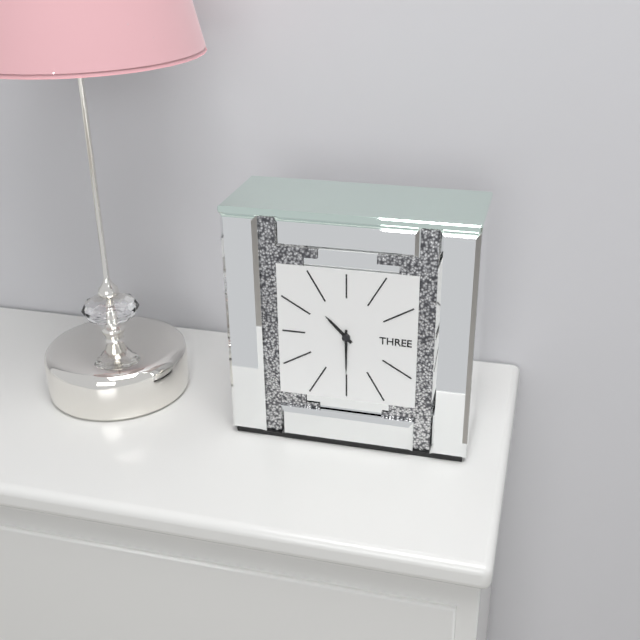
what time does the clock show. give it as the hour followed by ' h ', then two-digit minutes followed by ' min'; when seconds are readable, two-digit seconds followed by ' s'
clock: 10 h 30 min
